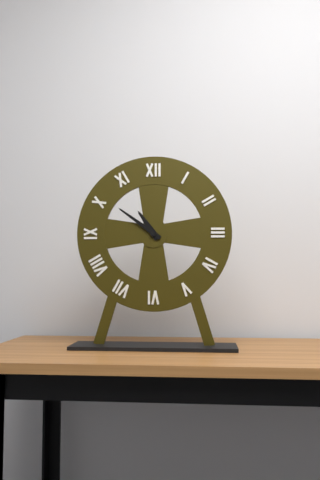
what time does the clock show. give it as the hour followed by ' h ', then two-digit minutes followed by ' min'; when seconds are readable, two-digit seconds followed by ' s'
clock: 10 h 51 min
